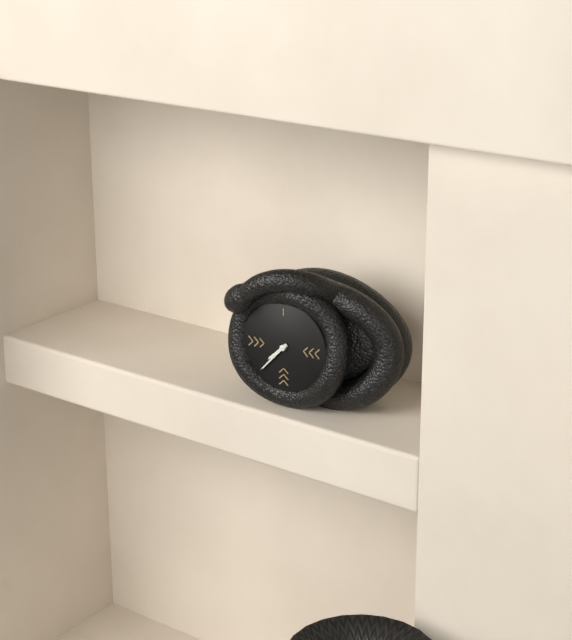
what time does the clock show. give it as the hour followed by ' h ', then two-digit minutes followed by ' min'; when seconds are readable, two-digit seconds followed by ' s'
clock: 7 h 37 min
